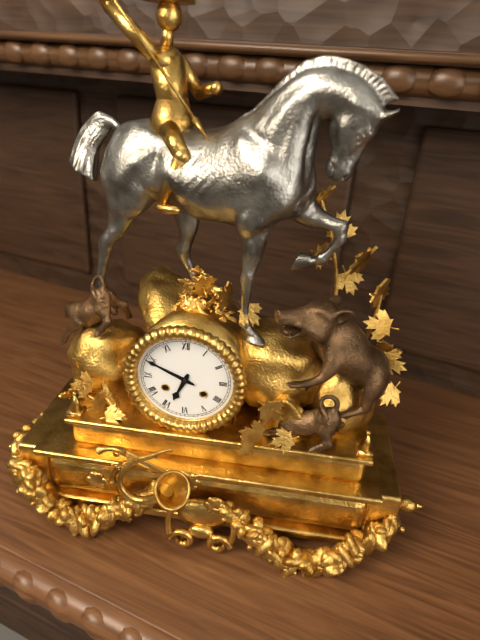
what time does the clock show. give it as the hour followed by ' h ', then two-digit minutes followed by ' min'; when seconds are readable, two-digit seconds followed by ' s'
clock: 6 h 49 min
